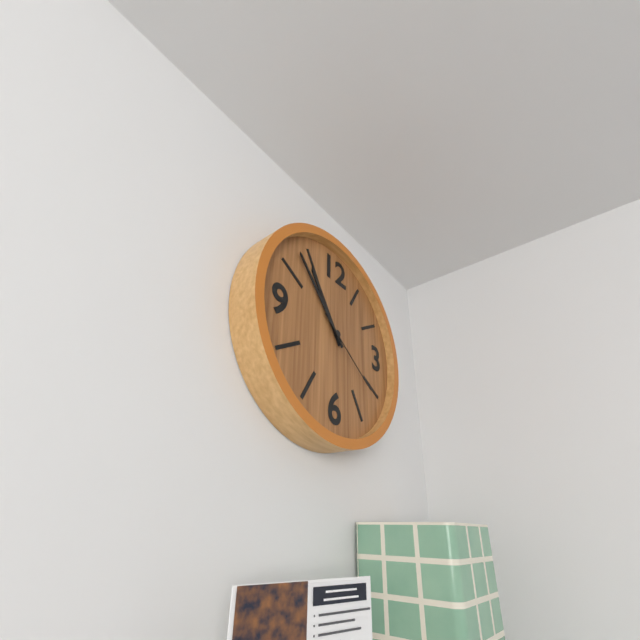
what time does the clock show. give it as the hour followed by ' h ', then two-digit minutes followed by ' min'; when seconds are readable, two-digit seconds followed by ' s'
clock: 10 h 53 min 21 s
